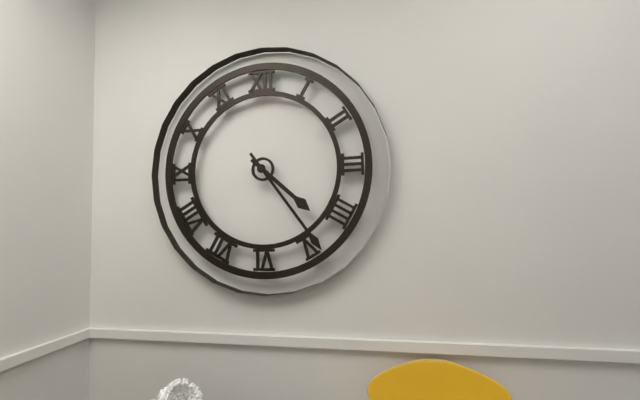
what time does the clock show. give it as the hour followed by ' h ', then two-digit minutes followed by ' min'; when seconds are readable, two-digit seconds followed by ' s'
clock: 4 h 24 min
